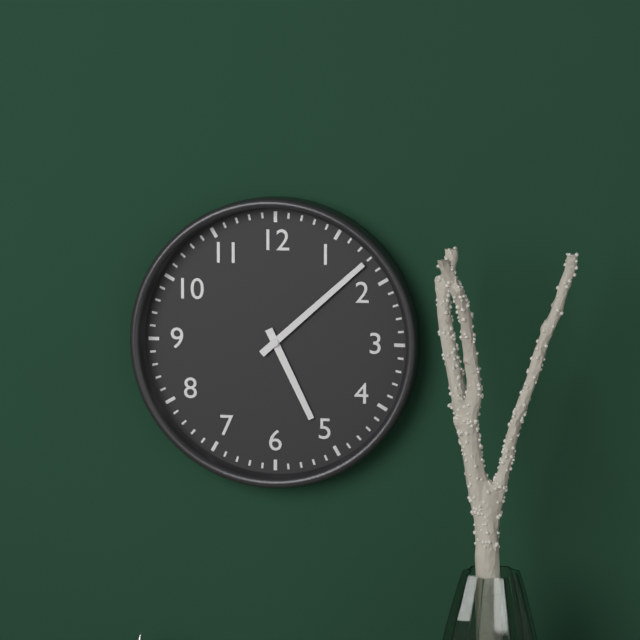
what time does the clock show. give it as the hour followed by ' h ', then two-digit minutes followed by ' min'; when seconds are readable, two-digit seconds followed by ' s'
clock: 5 h 08 min
